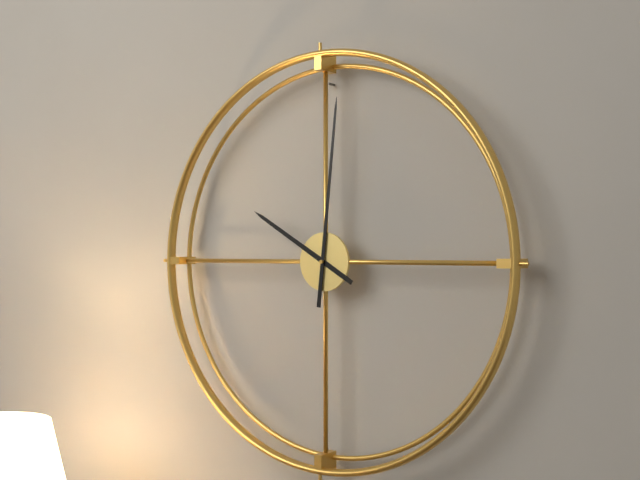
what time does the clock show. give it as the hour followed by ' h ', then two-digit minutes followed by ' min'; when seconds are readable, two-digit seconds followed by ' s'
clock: 10 h 01 min
